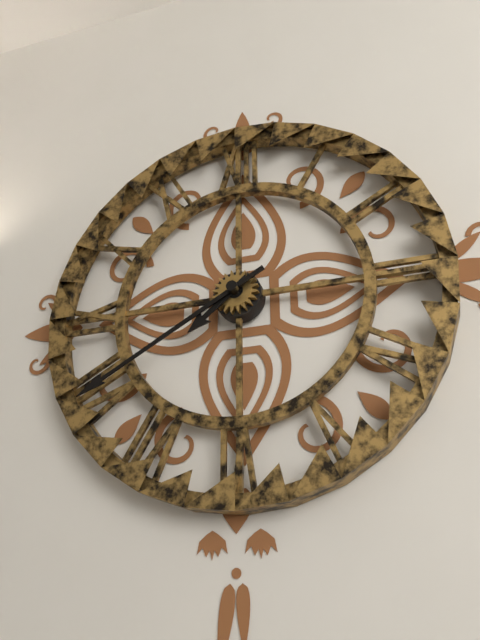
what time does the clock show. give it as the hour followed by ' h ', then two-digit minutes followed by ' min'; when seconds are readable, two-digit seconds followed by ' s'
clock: 7 h 40 min
